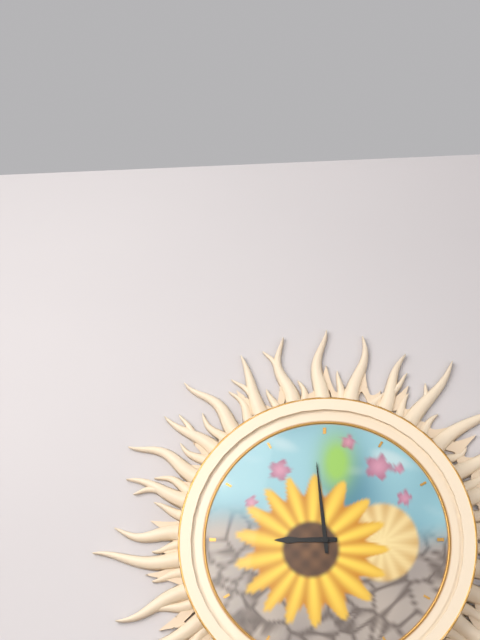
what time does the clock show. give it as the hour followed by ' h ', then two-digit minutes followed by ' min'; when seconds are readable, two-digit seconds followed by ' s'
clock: 8 h 59 min
